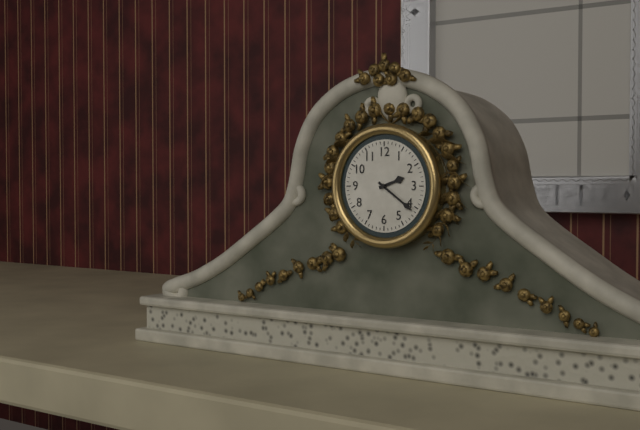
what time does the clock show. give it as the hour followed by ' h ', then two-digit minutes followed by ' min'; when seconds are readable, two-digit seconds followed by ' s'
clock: 2 h 21 min
